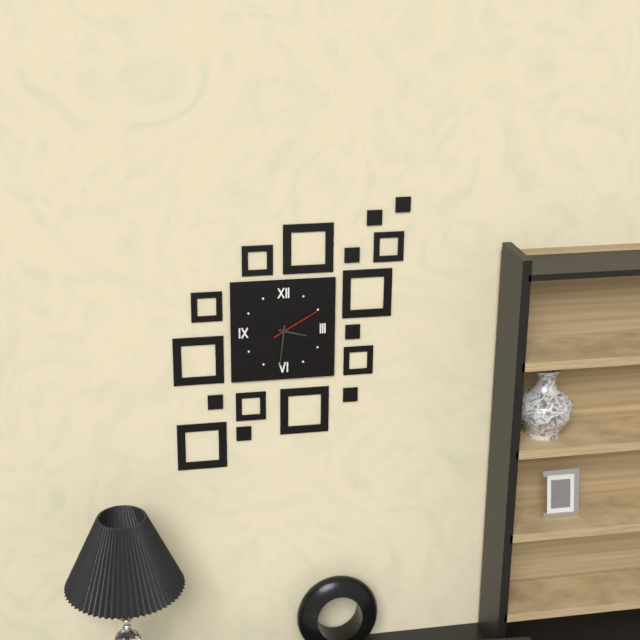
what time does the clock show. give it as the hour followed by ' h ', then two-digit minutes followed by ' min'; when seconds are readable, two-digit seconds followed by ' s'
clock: 3 h 31 min 10 s
